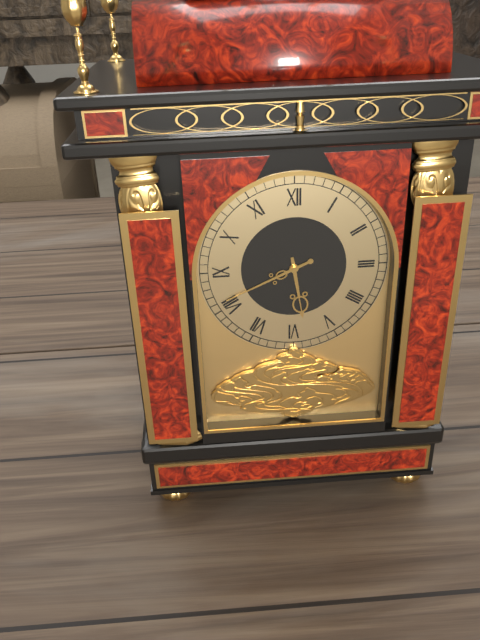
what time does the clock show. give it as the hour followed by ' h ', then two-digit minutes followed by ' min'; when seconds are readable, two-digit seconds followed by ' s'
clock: 5 h 41 min
